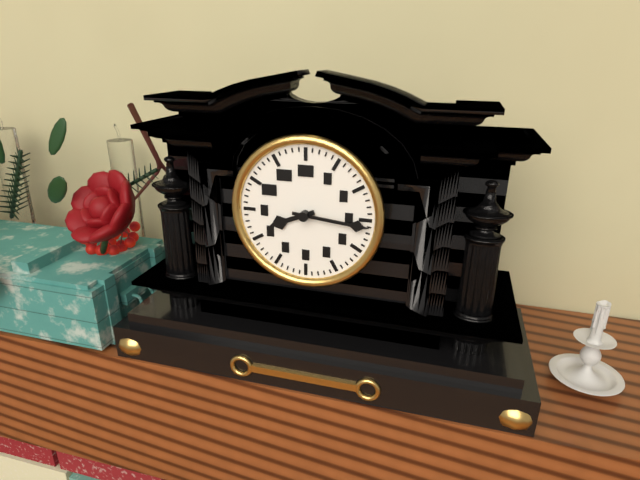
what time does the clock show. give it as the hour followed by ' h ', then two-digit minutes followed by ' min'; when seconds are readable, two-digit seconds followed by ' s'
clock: 8 h 16 min
